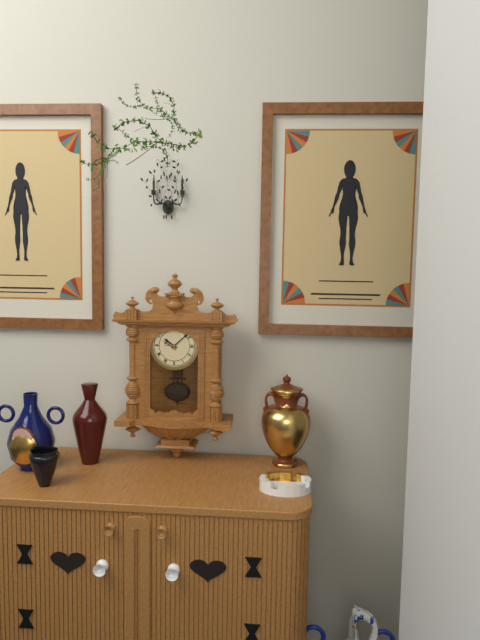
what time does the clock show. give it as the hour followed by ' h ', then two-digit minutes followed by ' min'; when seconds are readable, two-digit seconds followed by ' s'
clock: 10 h 08 min
